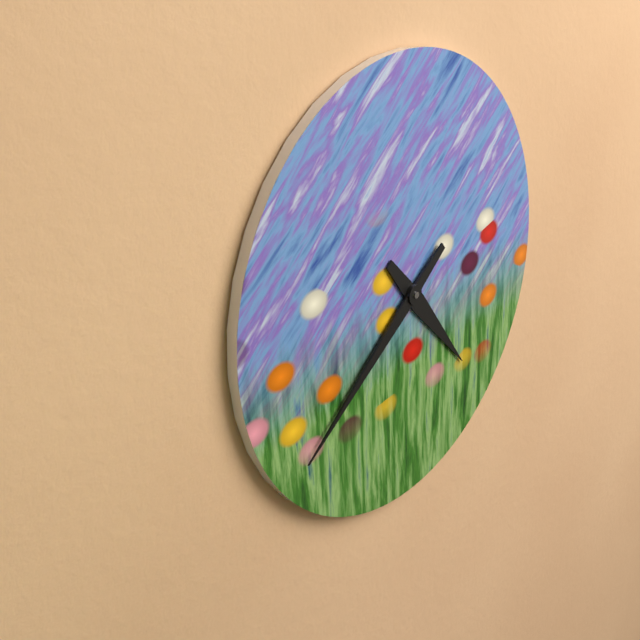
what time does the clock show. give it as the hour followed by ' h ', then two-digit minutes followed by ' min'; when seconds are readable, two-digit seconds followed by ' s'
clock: 4 h 39 min
